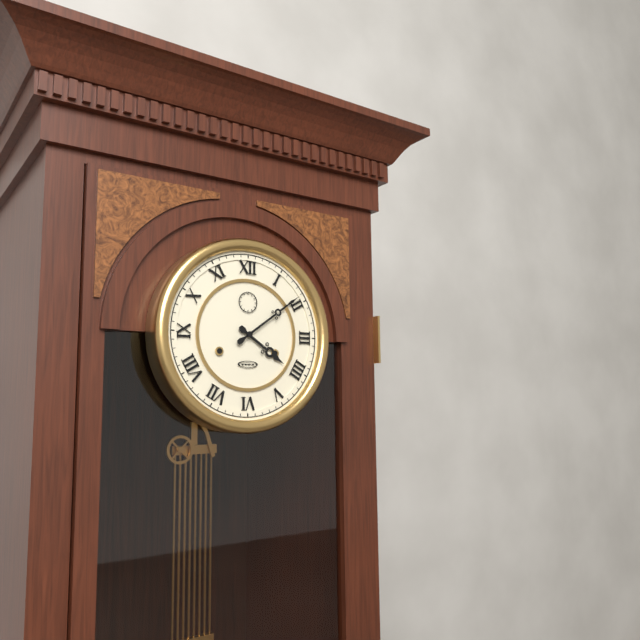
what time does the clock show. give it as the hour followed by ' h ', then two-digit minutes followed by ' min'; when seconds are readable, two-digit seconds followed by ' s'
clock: 4 h 09 min
